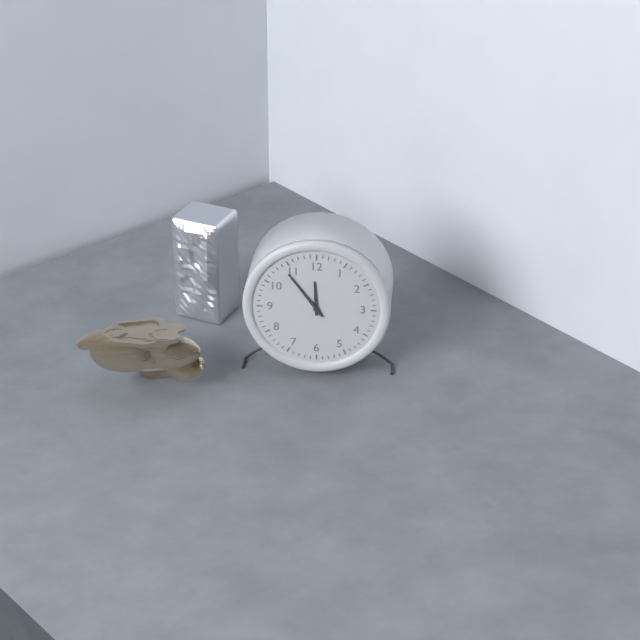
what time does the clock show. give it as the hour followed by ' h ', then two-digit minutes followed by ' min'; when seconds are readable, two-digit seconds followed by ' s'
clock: 11 h 54 min
